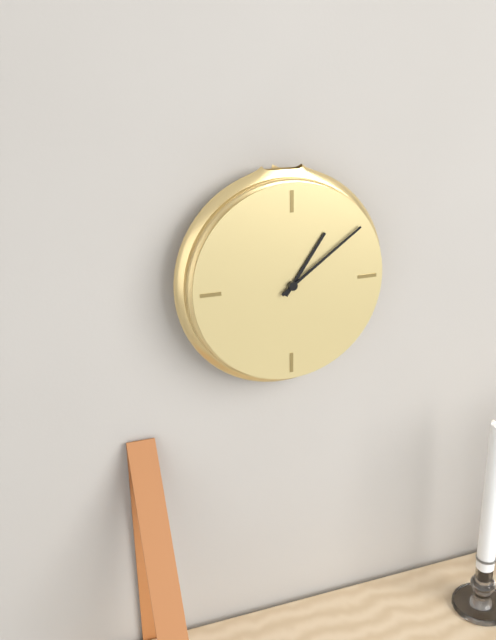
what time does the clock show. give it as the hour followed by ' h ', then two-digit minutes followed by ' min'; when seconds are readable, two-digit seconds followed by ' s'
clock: 1 h 09 min
